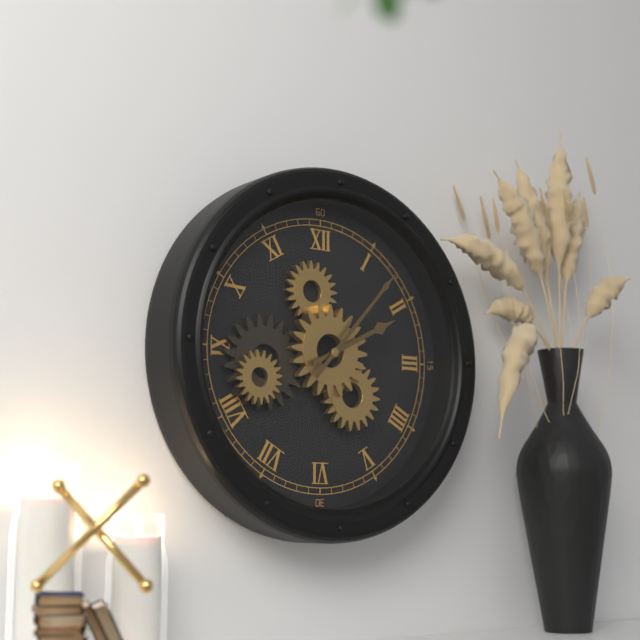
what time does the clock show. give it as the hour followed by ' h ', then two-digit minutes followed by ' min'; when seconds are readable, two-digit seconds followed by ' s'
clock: 2 h 07 min
